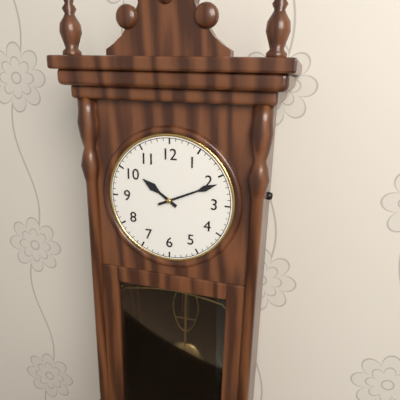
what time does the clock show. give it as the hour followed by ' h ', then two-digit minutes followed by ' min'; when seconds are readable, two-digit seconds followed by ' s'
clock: 10 h 11 min
